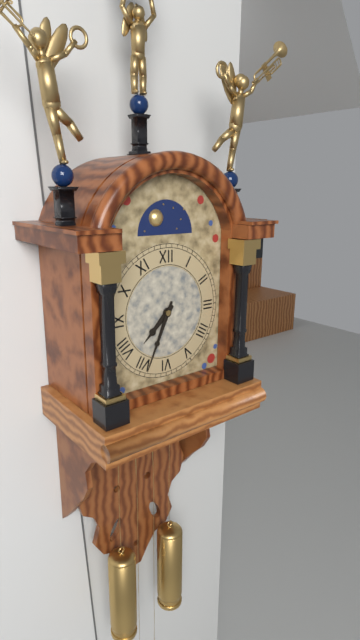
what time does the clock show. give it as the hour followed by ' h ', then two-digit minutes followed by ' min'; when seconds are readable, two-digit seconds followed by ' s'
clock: 7 h 34 min
